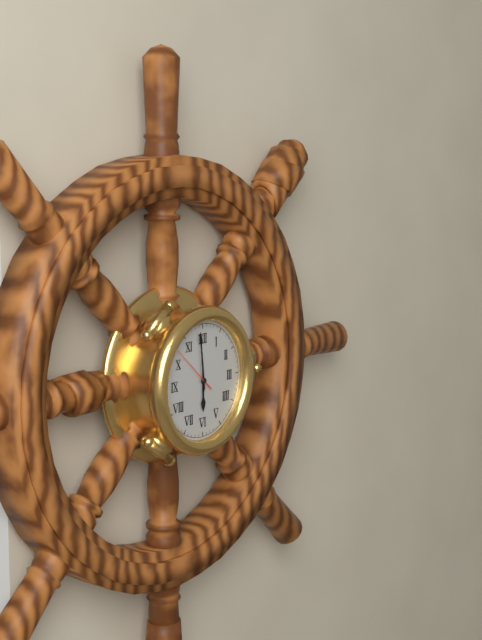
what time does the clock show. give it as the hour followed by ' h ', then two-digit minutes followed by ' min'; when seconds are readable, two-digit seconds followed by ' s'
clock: 5 h 59 min 52 s
